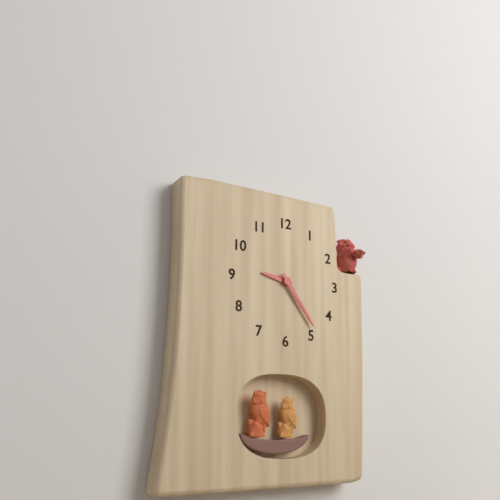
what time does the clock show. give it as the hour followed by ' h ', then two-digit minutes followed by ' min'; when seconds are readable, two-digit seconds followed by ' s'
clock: 9 h 24 min
